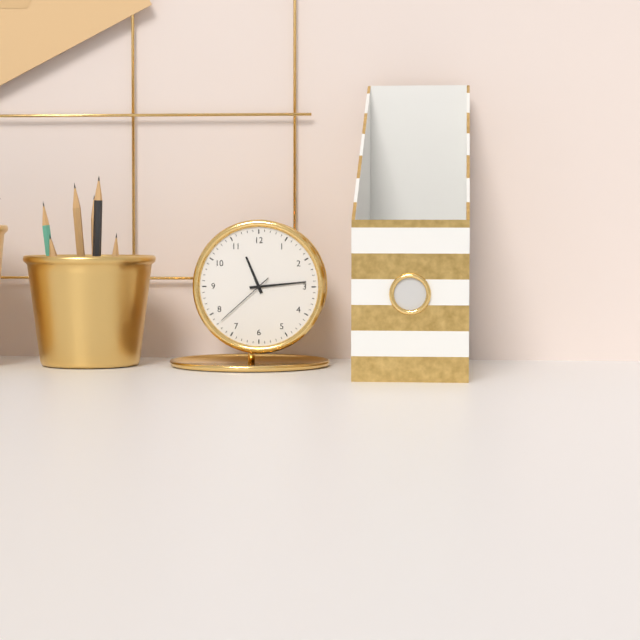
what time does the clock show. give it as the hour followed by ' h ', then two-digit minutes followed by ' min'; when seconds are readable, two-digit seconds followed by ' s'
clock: 11 h 14 min 38 s
